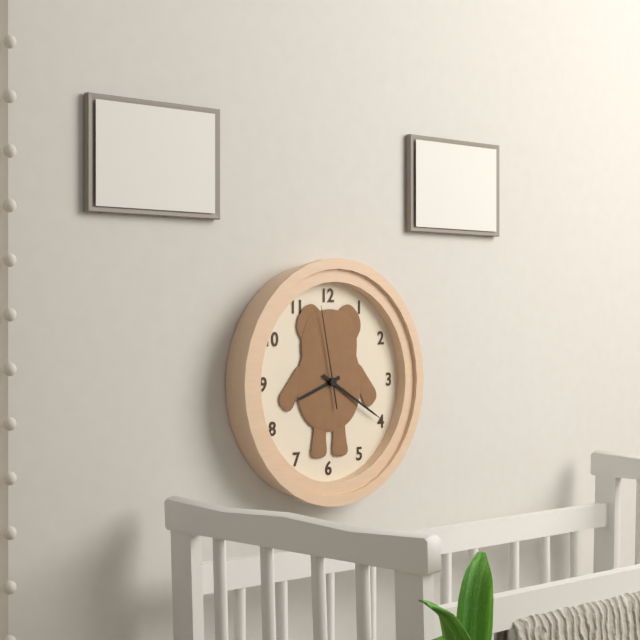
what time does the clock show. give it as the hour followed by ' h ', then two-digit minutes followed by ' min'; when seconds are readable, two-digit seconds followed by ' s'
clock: 8 h 20 min 58 s
